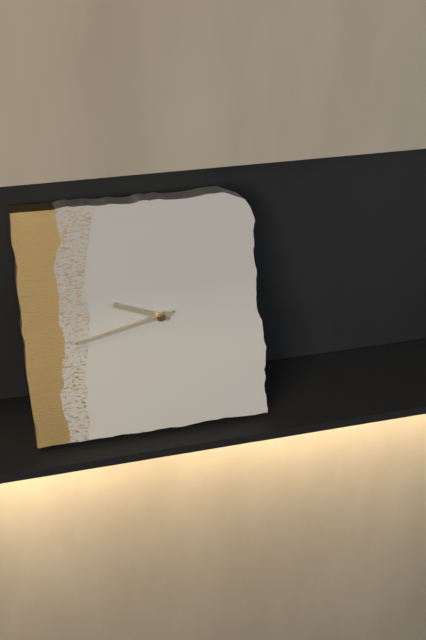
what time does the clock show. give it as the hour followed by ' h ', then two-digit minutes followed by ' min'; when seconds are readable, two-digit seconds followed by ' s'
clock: 9 h 43 min
